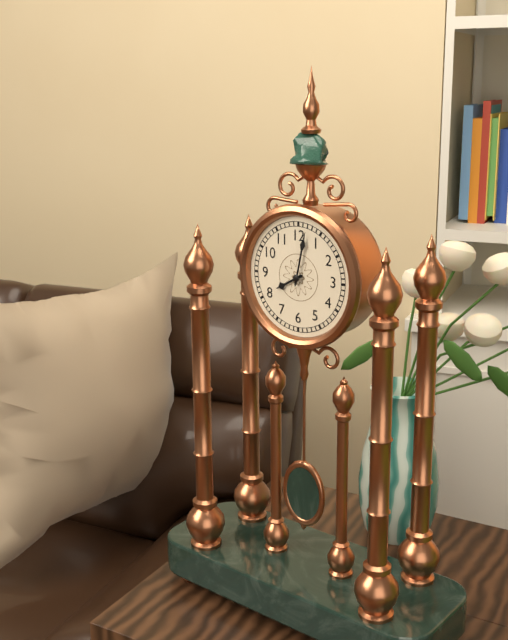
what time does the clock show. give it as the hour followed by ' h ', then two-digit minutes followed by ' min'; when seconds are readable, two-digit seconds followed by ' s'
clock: 8 h 02 min
